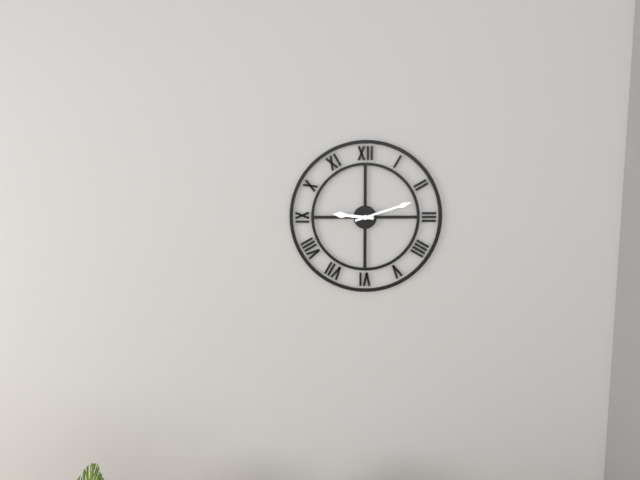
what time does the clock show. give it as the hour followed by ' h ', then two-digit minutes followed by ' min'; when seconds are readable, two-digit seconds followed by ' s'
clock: 9 h 12 min
